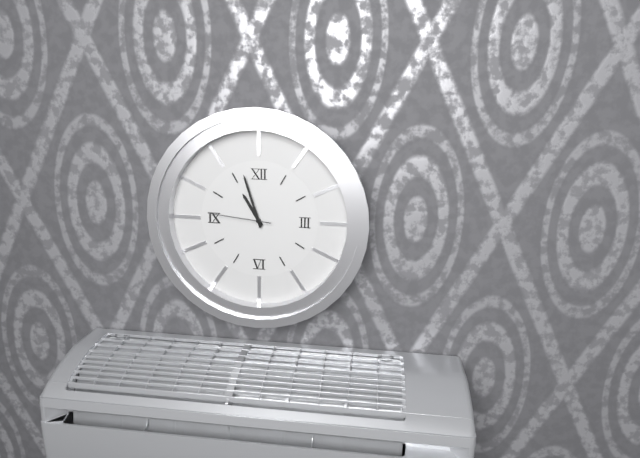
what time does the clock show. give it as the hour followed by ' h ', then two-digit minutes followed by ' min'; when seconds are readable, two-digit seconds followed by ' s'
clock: 10 h 57 min 46 s
